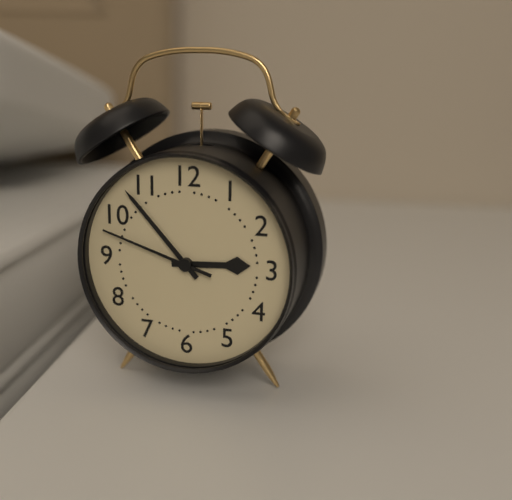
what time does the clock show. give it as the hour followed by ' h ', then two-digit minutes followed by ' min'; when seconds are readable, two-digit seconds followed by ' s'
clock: 2 h 53 min 48 s
